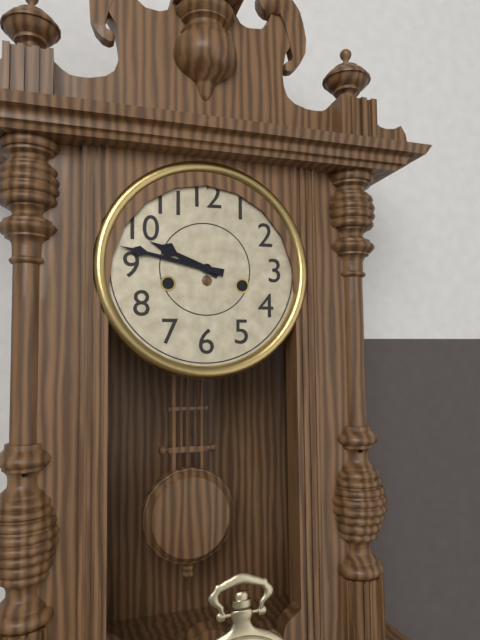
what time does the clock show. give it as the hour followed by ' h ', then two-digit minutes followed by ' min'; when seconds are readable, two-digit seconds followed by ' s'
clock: 9 h 47 min
